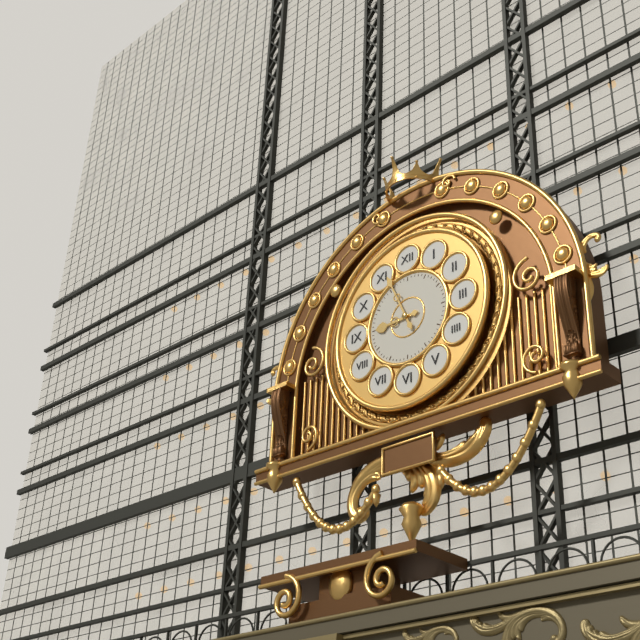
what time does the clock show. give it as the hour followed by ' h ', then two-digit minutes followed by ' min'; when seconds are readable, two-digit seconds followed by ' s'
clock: 8 h 56 min
